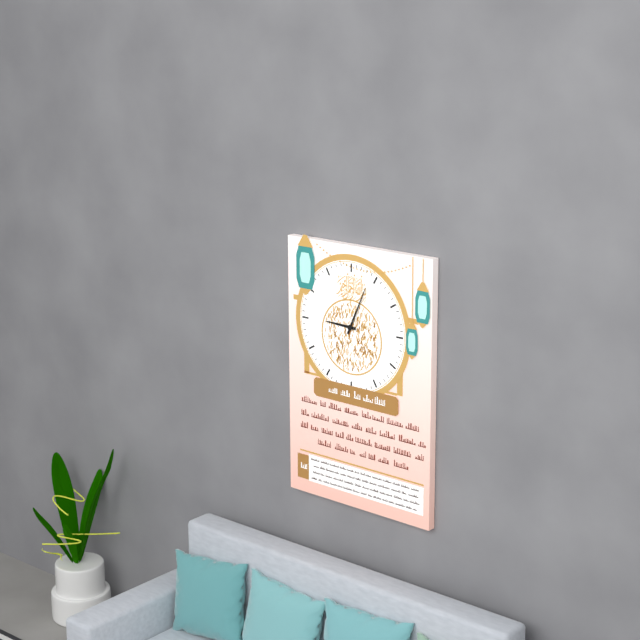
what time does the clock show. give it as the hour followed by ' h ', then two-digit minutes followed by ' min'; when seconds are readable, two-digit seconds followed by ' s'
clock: 9 h 04 min
